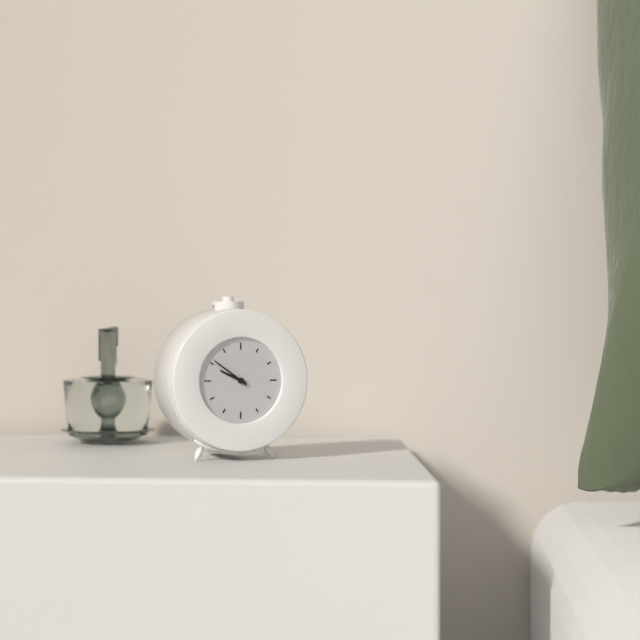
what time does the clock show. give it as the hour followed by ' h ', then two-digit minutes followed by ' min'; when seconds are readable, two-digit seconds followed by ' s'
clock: 9 h 51 min
